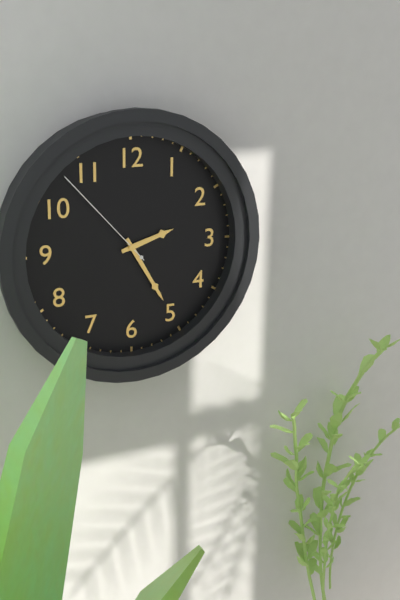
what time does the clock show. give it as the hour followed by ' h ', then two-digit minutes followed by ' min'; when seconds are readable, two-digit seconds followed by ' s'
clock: 2 h 25 min 53 s
